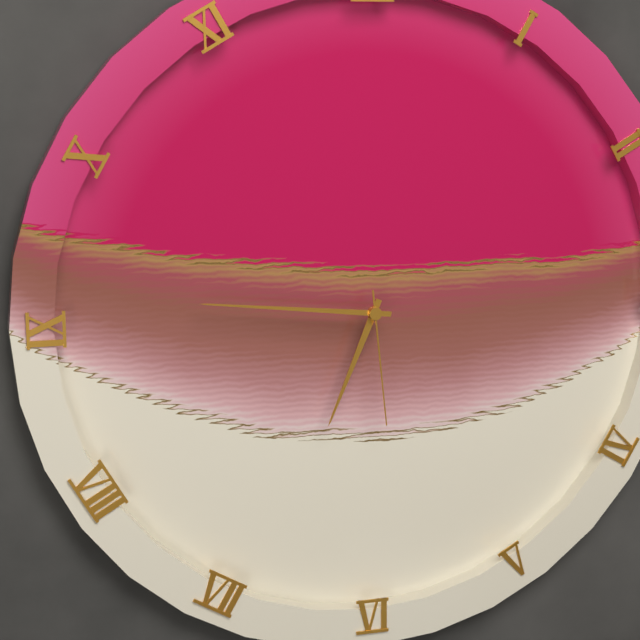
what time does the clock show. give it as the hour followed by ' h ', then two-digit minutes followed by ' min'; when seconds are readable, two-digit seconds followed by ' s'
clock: 6 h 46 min 29 s
